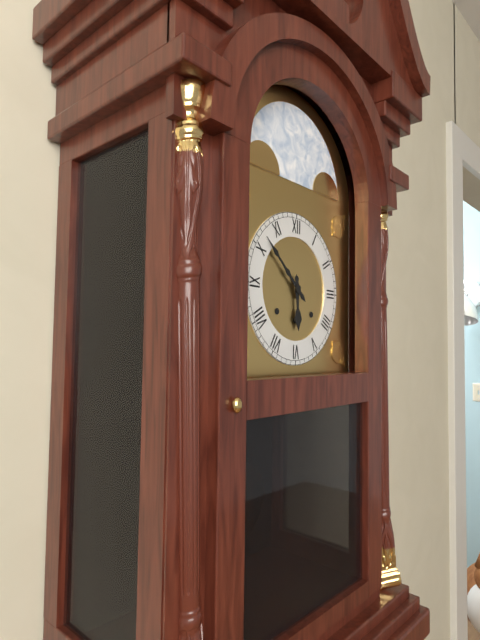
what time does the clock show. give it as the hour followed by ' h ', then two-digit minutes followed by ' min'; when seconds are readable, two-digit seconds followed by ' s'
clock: 5 h 52 min
